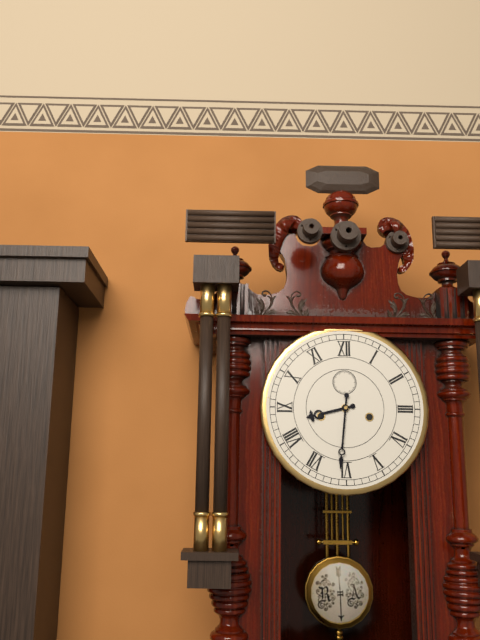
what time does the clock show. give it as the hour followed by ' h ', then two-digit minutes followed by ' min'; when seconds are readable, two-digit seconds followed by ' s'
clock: 8 h 31 min
